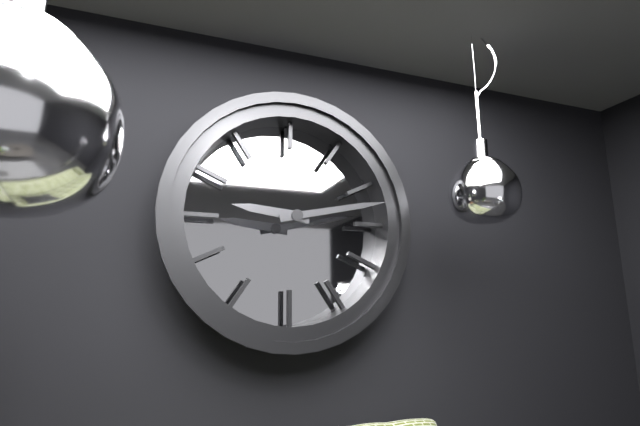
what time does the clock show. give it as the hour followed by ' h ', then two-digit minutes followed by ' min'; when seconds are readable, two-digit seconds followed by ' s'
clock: 9 h 13 min
